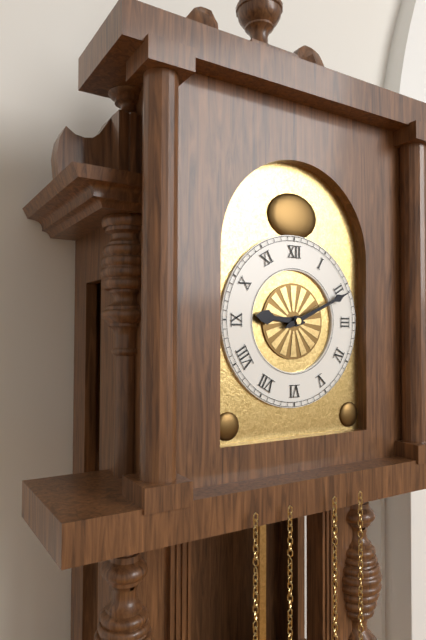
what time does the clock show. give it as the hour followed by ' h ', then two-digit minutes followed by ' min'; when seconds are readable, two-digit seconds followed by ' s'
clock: 9 h 11 min
